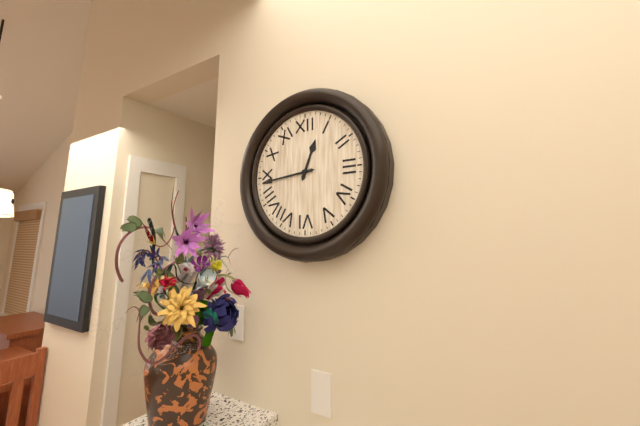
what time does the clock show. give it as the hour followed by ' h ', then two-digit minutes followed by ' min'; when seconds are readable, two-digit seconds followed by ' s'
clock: 12 h 44 min
